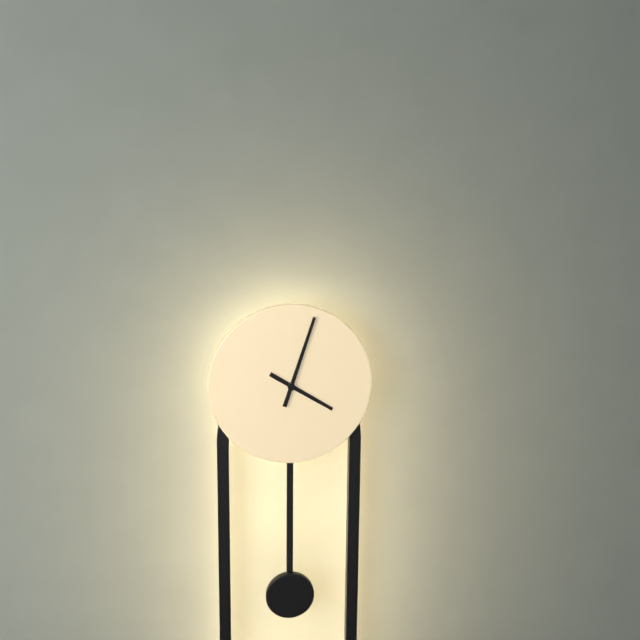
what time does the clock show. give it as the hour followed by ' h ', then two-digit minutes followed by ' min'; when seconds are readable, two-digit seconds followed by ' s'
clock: 4 h 03 min
